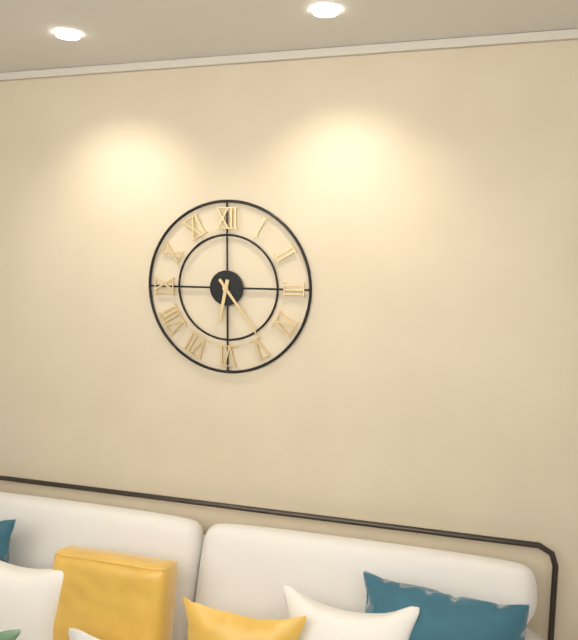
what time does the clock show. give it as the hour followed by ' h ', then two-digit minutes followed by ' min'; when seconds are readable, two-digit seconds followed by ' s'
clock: 6 h 24 min
